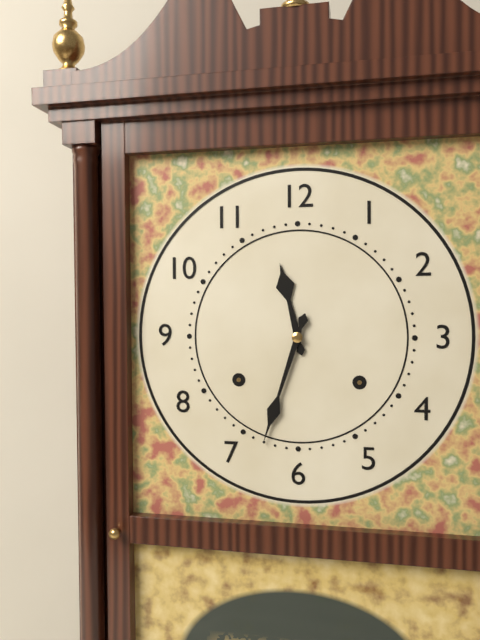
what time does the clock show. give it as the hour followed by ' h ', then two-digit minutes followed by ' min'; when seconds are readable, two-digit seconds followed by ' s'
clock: 11 h 33 min
